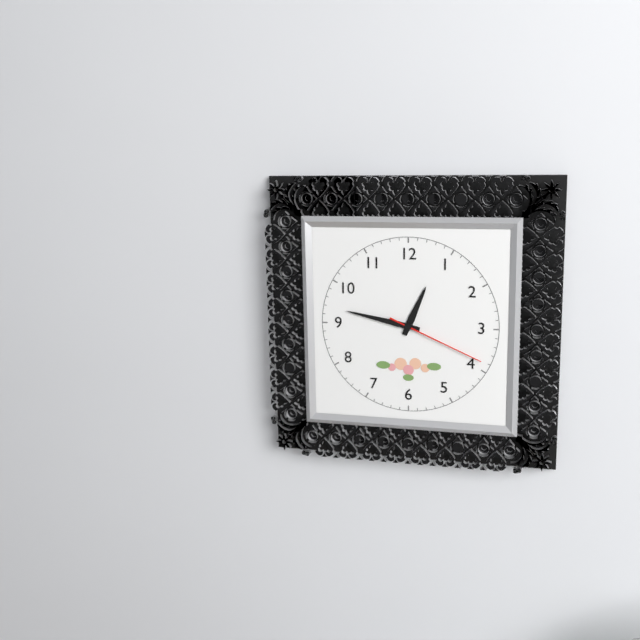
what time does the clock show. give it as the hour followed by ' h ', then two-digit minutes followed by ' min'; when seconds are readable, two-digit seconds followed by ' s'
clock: 12 h 47 min 19 s
